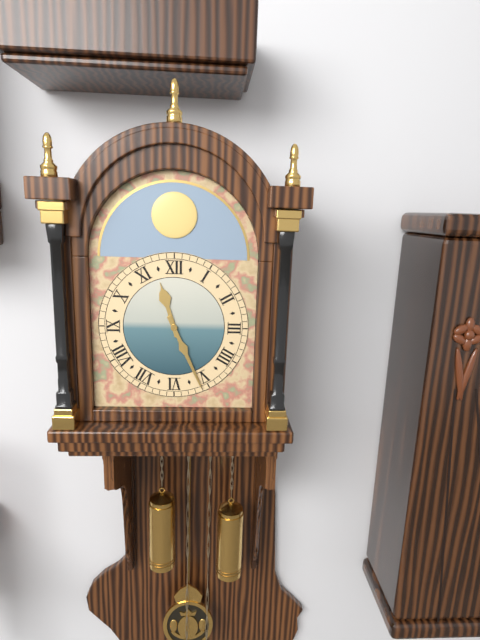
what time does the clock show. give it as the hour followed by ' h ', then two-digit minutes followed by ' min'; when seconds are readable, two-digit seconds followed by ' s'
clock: 11 h 26 min
